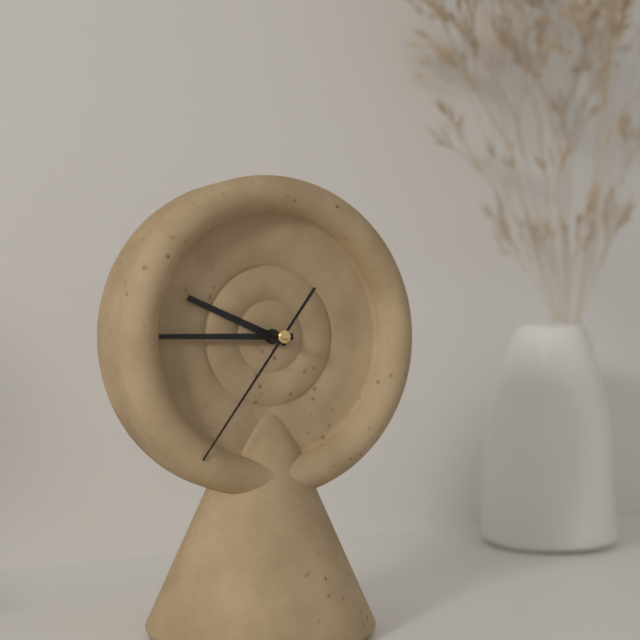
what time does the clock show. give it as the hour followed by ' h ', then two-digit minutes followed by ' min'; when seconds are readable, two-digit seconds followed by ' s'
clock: 9 h 45 min 36 s
